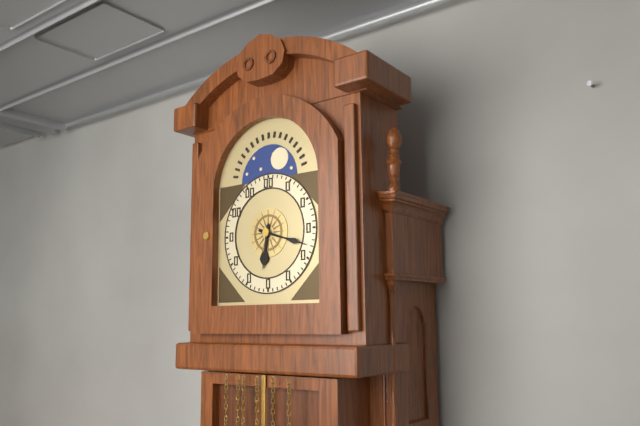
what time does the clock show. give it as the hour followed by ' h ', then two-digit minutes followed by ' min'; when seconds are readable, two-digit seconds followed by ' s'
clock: 6 h 18 min
